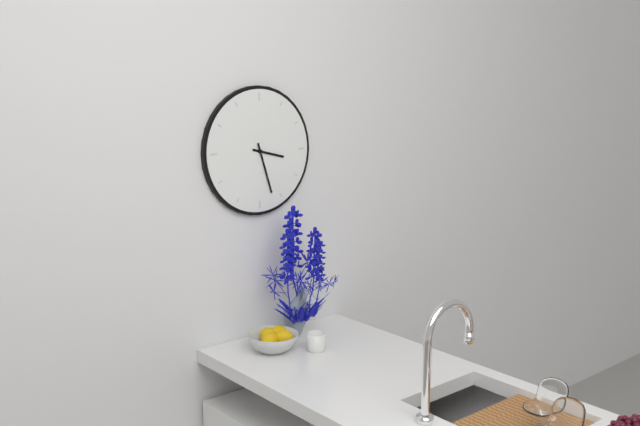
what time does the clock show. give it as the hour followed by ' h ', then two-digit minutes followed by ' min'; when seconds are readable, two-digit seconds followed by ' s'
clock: 3 h 27 min
